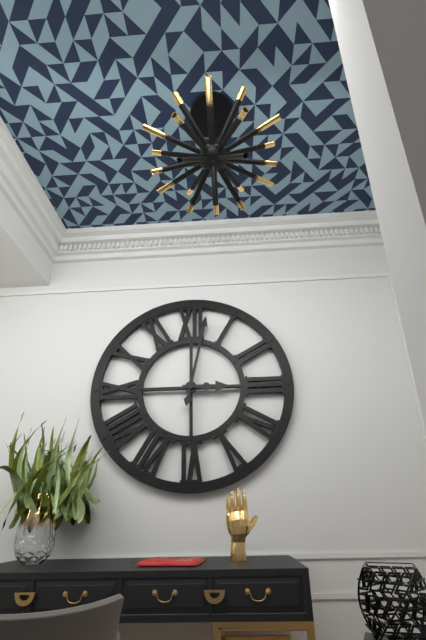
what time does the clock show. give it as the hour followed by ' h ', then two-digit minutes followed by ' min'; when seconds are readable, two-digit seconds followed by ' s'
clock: 3 h 02 min
